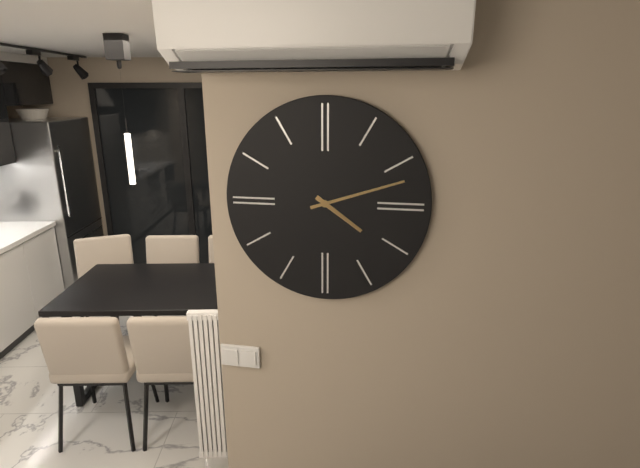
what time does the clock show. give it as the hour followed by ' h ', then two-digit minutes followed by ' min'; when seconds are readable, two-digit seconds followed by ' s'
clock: 4 h 12 min
